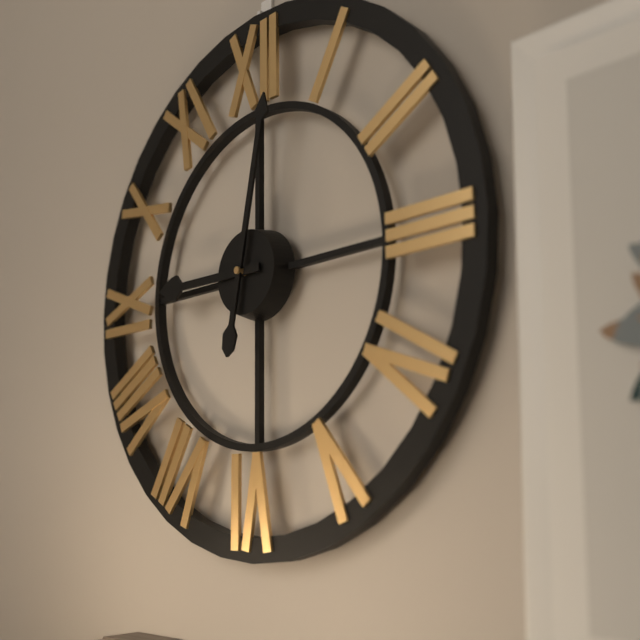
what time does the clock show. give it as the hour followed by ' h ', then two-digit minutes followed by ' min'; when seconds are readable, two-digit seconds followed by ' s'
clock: 9 h 02 min
